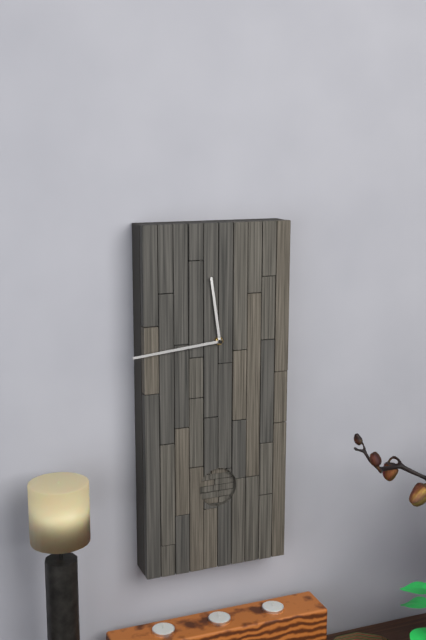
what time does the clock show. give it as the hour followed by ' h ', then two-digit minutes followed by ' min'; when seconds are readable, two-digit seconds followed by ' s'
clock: 11 h 44 min
